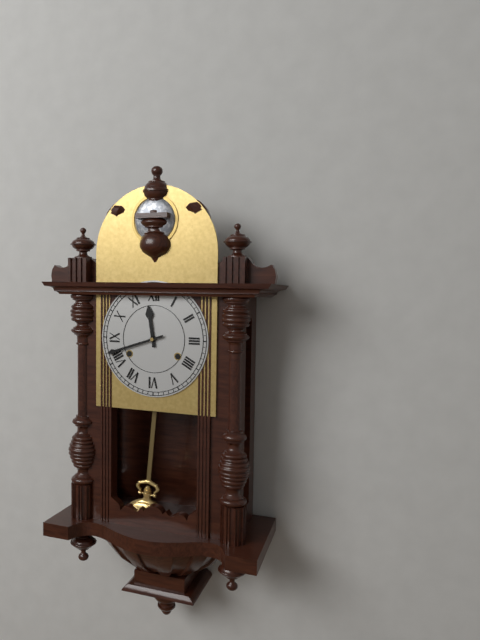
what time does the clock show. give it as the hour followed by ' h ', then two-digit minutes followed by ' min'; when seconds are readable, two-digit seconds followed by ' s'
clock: 11 h 42 min
